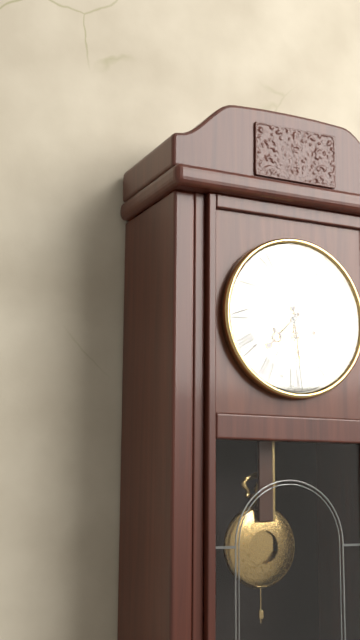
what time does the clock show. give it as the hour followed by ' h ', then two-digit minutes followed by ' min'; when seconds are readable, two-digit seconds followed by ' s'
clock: 7 h 29 min
